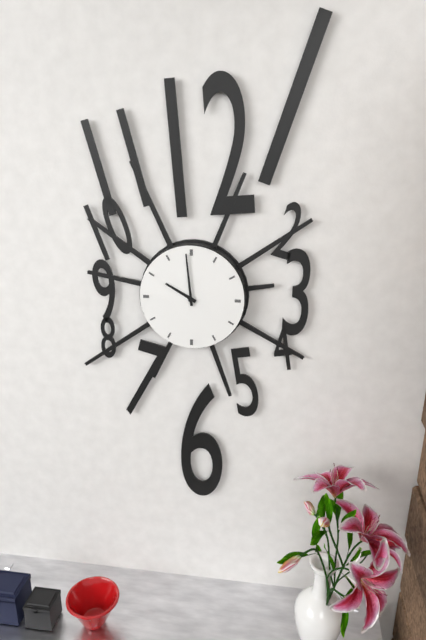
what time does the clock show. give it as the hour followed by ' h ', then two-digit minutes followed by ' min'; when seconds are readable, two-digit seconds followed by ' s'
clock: 9 h 59 min
